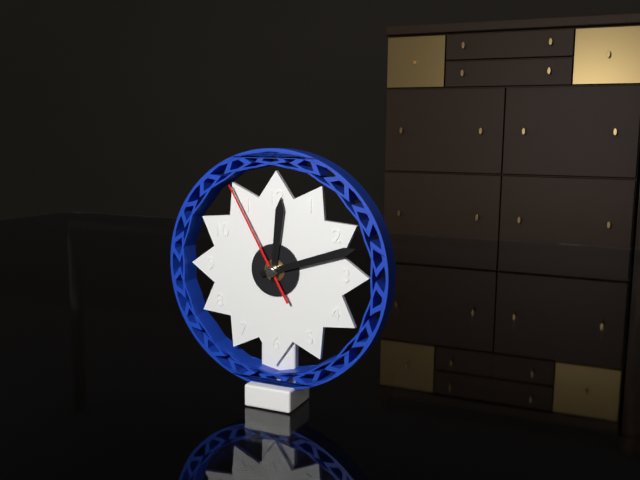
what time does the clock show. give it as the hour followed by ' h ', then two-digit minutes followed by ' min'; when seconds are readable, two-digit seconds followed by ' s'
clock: 12 h 12 min 55 s
